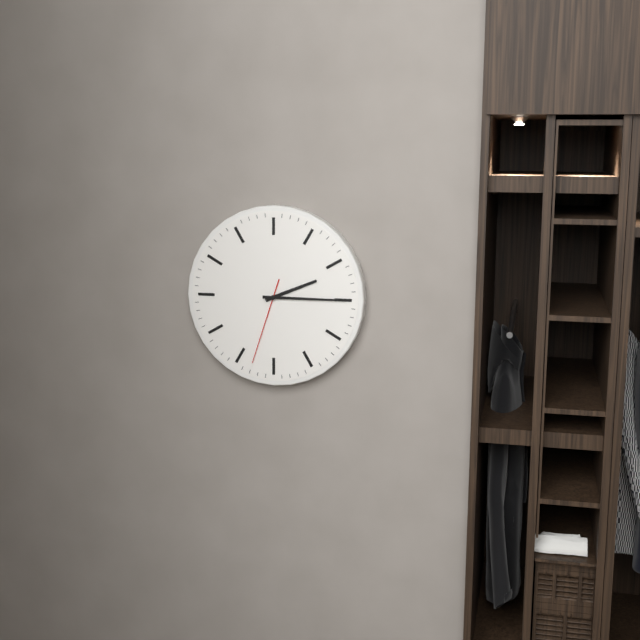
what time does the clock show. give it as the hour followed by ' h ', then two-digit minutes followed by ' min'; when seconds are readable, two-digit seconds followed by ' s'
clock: 2 h 15 min 33 s
